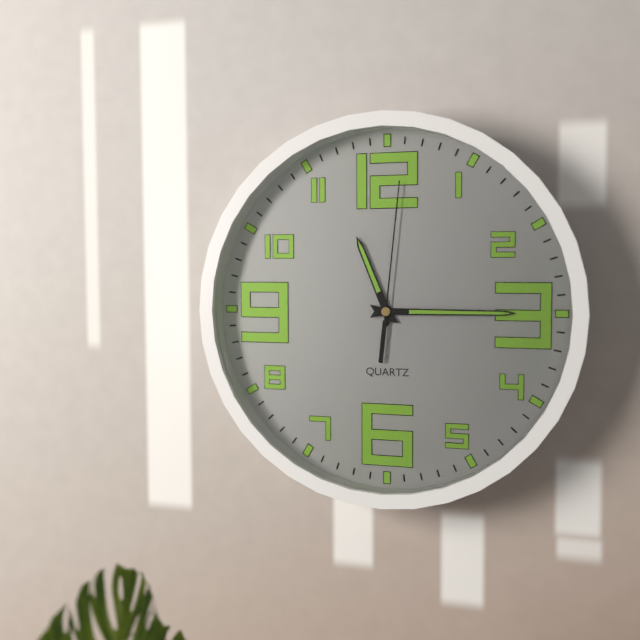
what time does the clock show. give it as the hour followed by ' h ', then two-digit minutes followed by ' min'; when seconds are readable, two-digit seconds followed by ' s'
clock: 11 h 15 min 01 s
